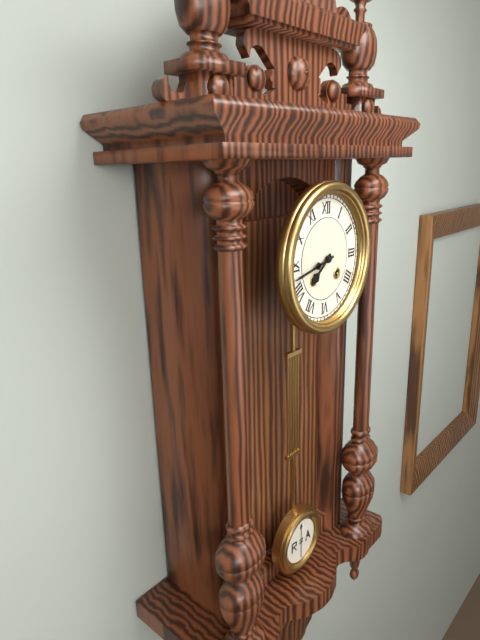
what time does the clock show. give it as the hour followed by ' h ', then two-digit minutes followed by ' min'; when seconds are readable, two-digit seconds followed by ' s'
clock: 7 h 43 min
